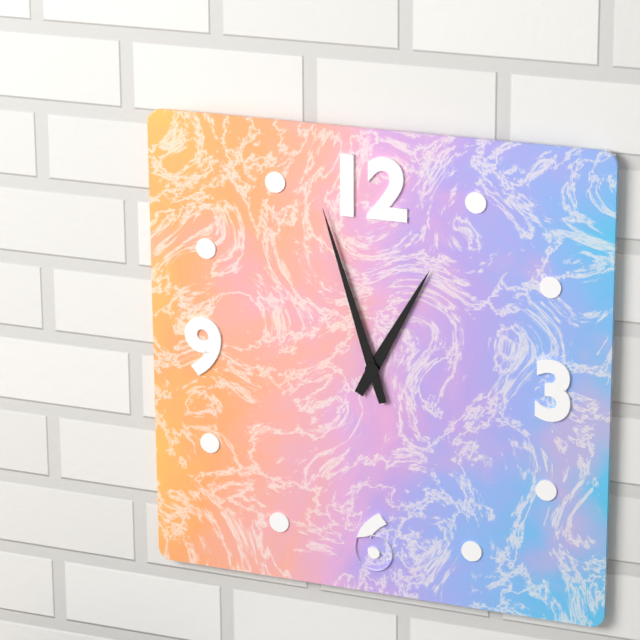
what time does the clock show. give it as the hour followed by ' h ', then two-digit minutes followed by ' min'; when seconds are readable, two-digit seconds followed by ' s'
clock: 12 h 57 min
